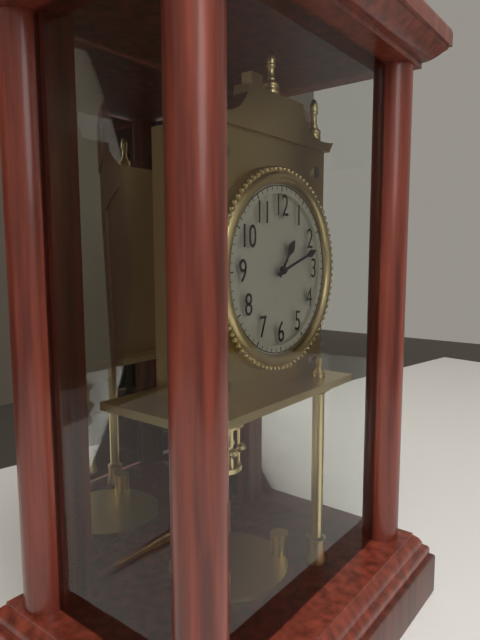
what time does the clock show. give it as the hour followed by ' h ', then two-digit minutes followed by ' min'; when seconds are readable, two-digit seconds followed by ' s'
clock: 1 h 12 min
